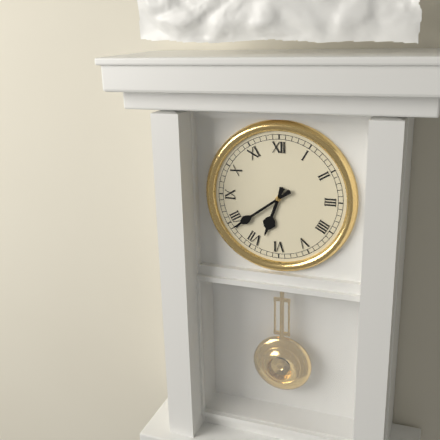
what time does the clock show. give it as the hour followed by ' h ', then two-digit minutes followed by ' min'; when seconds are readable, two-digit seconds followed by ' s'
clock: 6 h 39 min
